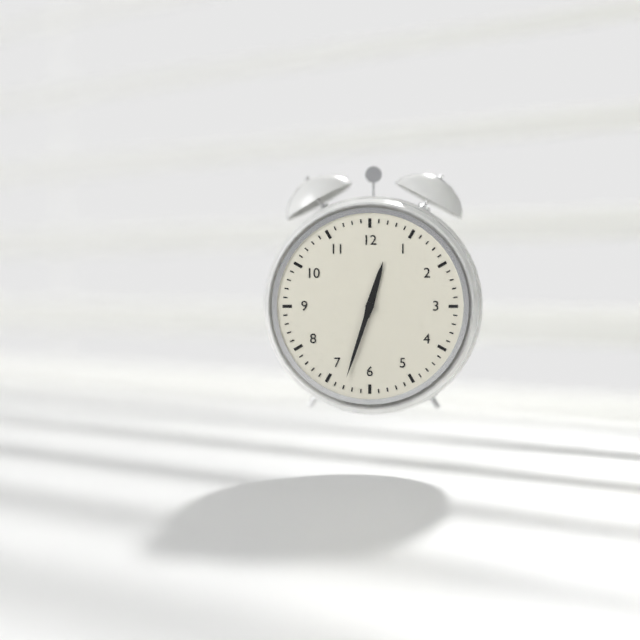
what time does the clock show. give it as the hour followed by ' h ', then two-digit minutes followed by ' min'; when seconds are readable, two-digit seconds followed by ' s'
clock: 12 h 33 min
